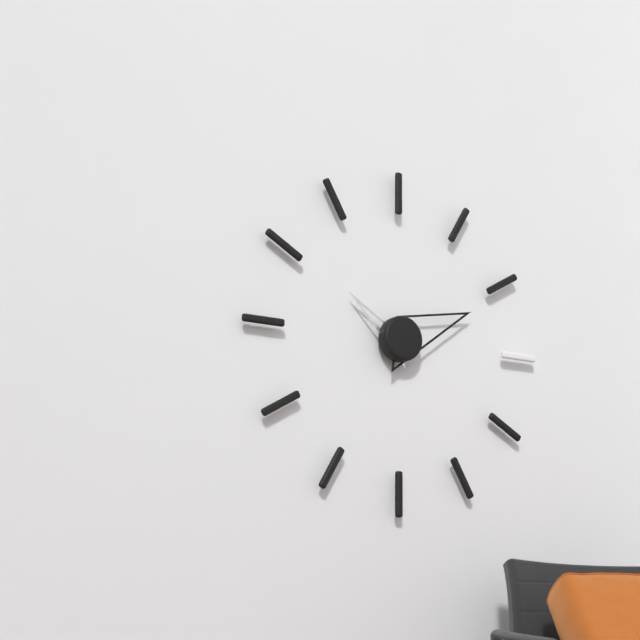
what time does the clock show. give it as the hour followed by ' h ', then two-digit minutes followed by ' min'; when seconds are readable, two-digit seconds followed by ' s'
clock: 10 h 11 min
